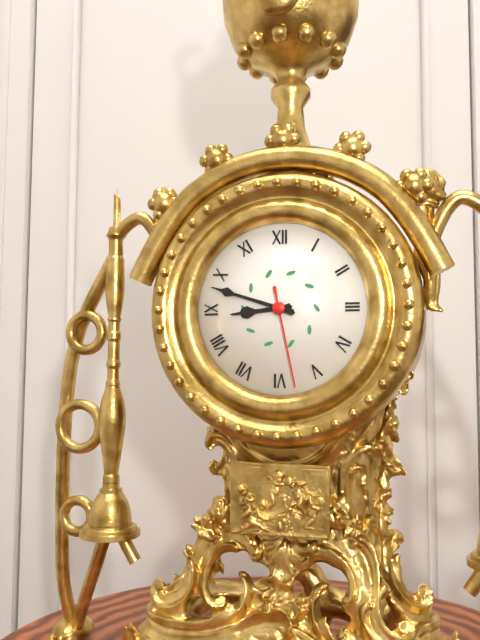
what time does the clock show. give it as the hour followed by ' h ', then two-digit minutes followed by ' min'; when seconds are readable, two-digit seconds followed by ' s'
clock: 8 h 48 min 28 s
